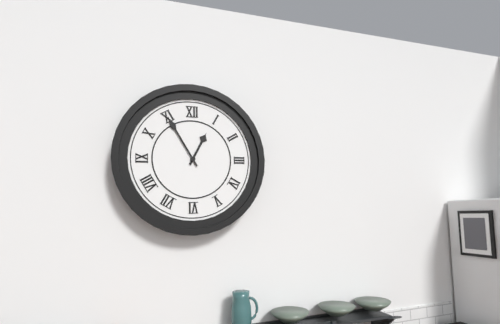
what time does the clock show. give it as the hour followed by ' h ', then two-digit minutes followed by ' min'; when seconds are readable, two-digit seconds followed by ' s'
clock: 12 h 55 min
